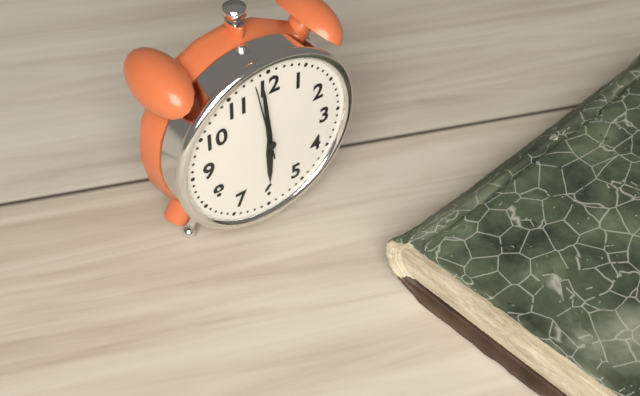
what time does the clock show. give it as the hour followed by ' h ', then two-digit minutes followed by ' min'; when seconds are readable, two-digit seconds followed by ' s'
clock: 5 h 59 min 58 s
